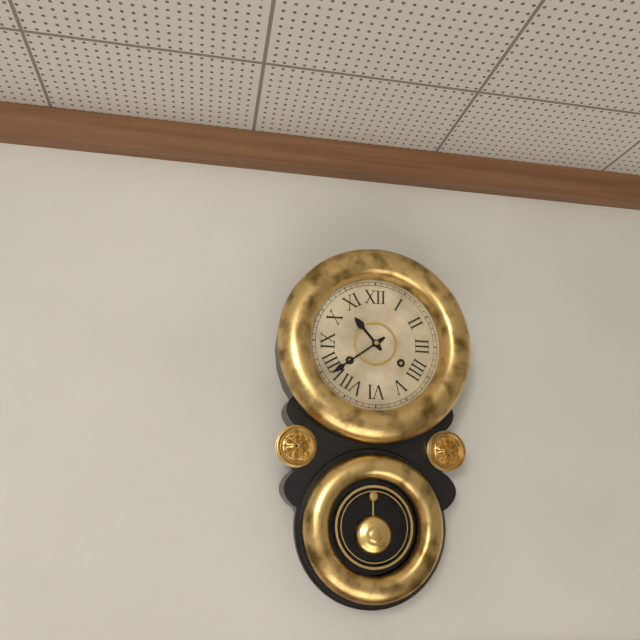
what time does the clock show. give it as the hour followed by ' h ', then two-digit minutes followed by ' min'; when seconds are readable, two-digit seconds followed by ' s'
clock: 10 h 39 min
